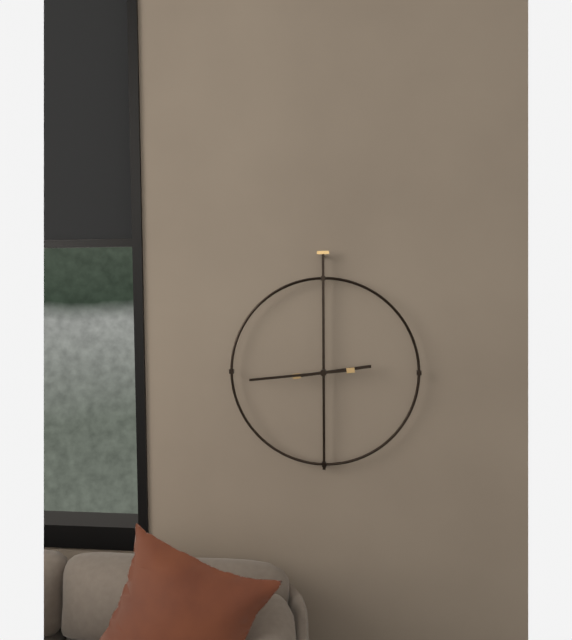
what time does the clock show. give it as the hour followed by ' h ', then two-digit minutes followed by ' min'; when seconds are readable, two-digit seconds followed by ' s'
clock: 2 h 44 min
